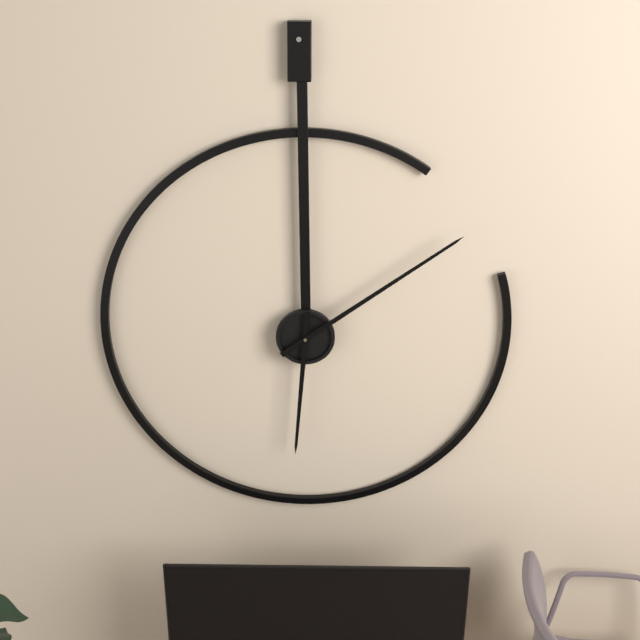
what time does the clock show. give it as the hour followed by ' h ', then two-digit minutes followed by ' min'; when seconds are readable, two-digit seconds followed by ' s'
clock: 6 h 09 min
